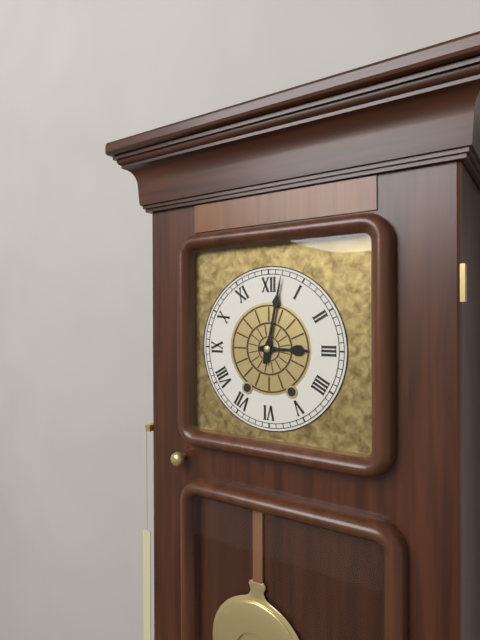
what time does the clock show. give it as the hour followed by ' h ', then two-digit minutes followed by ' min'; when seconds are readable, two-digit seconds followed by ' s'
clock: 3 h 02 min
